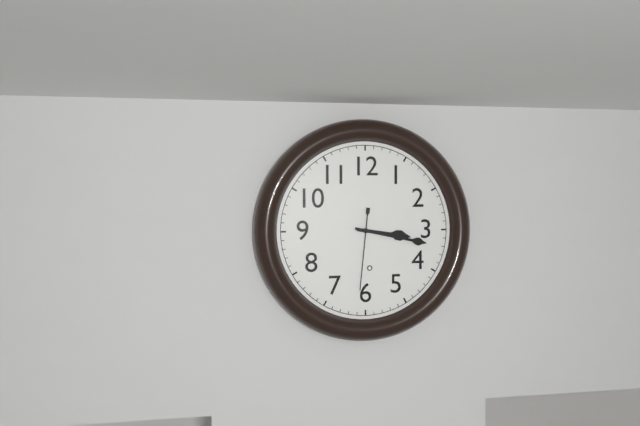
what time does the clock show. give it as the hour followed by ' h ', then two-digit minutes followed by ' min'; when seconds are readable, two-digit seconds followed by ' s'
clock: 3 h 17 min 31 s
